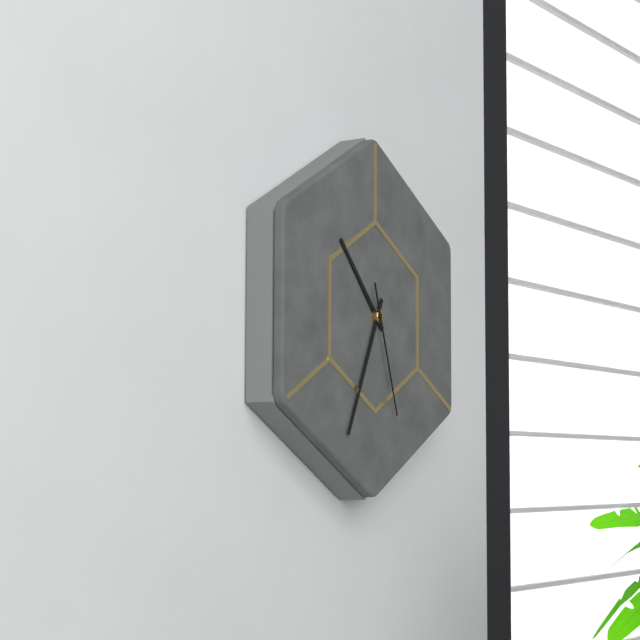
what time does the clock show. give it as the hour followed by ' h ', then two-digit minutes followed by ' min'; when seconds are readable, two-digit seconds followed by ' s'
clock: 10 h 34 min 27 s
